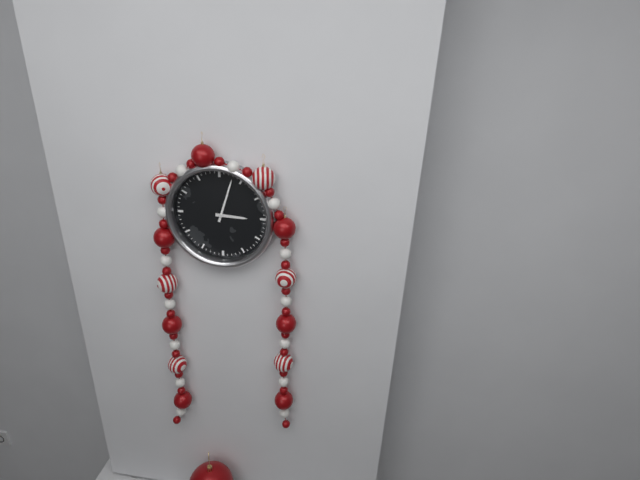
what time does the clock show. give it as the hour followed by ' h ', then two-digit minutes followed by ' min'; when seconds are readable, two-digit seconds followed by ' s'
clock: 3 h 03 min
